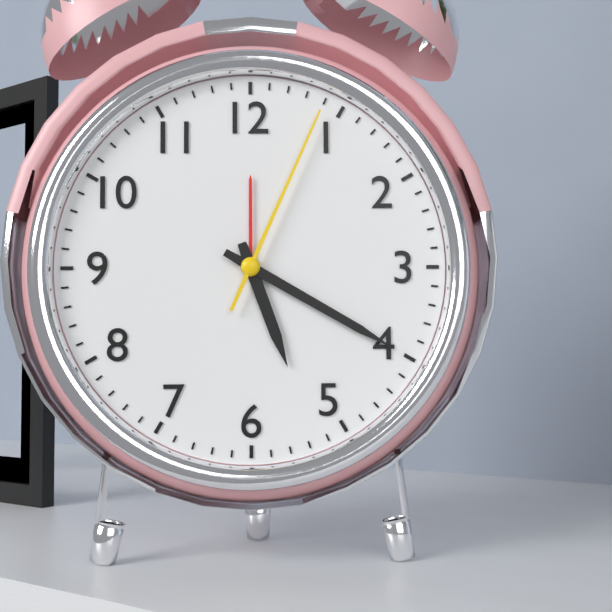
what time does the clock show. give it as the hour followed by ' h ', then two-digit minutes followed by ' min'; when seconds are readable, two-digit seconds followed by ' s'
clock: 5 h 20 min 04 s
